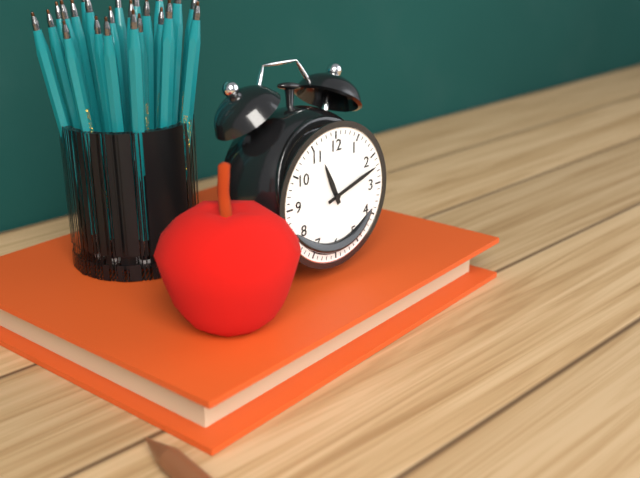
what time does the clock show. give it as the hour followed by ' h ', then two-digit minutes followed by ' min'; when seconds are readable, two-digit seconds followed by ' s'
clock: 11 h 12 min
